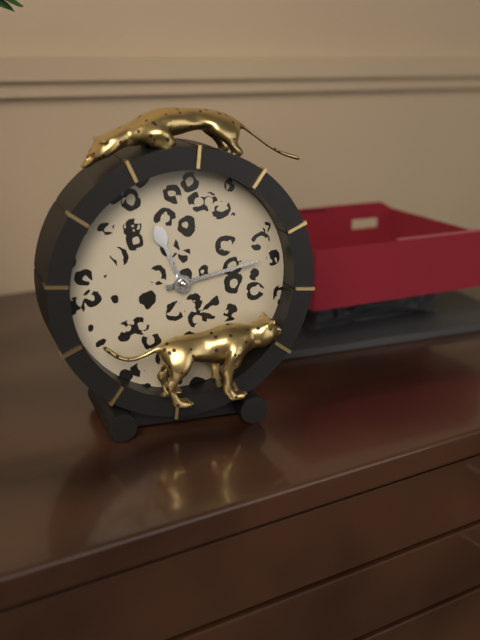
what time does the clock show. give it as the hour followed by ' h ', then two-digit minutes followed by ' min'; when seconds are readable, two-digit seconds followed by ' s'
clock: 11 h 13 min
